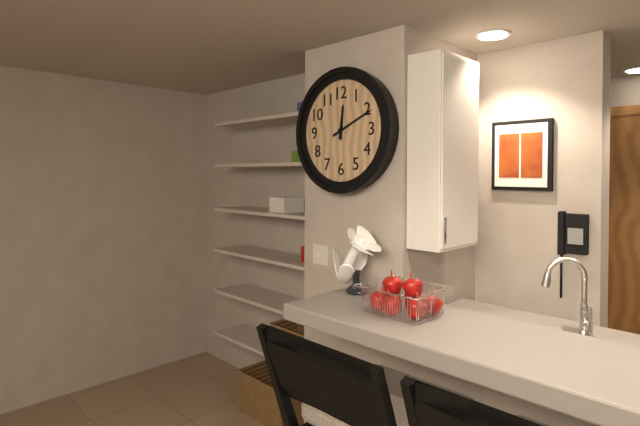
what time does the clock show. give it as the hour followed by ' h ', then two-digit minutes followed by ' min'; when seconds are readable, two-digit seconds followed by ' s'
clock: 12 h 11 min
